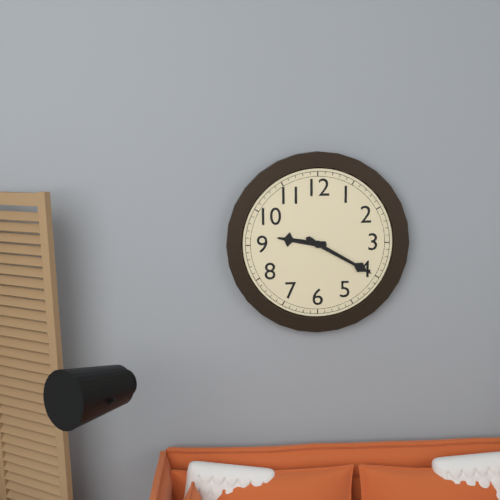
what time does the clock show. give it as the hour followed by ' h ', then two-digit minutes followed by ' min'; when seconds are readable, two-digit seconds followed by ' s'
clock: 9 h 20 min
